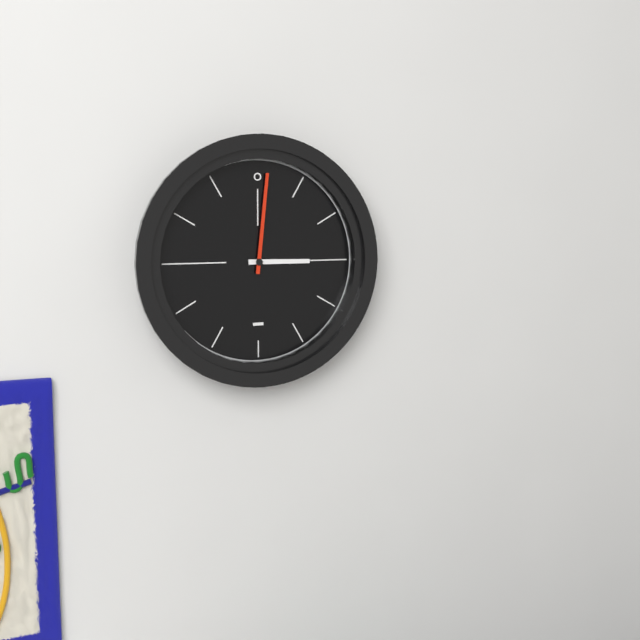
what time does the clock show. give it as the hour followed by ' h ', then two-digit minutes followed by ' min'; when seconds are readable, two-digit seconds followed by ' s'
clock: 3 h 01 min
